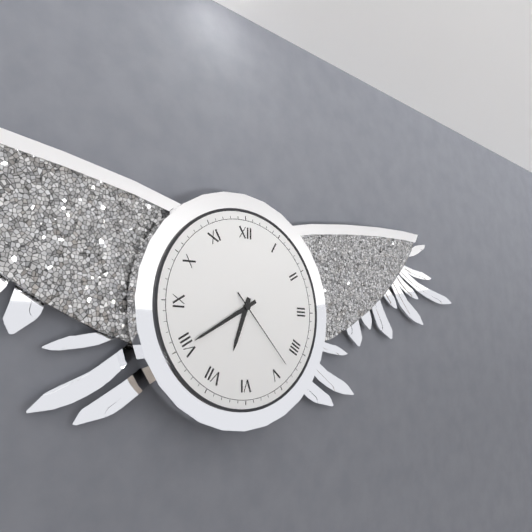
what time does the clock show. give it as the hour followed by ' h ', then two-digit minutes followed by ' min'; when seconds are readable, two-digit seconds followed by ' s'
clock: 6 h 40 min 23 s
